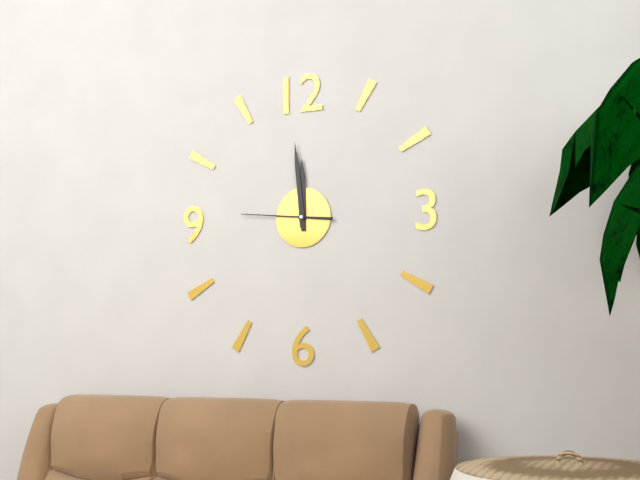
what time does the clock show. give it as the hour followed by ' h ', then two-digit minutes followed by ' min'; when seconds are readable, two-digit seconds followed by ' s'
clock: 11 h 59 min 46 s
